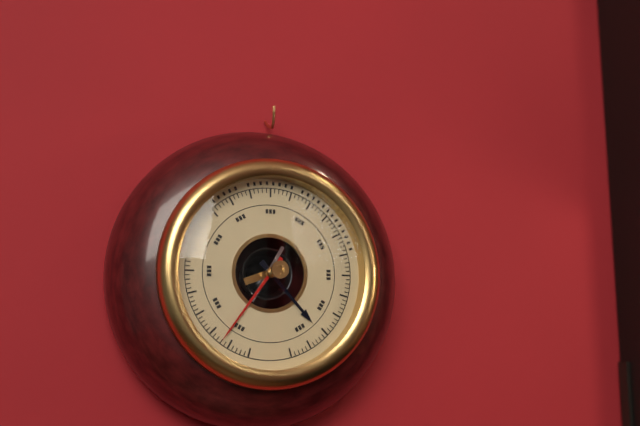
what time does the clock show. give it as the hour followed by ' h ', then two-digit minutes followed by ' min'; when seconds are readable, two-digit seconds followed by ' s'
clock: 4 h 36 min
